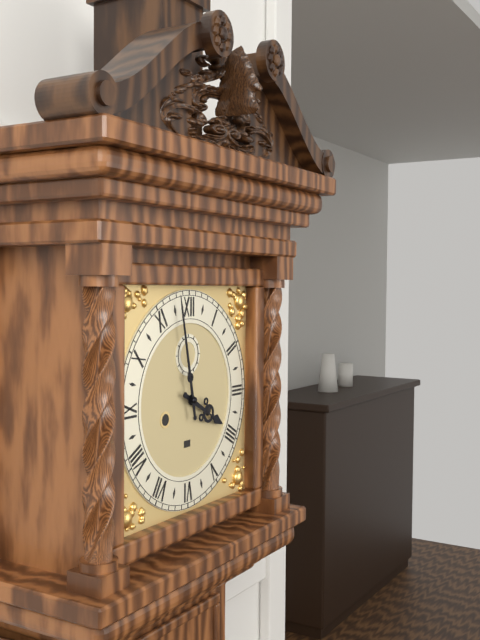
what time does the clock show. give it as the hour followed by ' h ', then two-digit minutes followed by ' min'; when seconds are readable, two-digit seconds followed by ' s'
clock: 3 h 58 min
